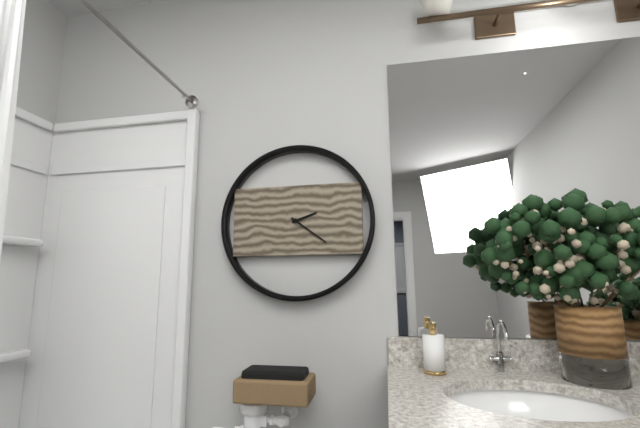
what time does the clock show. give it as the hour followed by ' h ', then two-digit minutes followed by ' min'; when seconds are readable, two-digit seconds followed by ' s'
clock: 2 h 21 min
